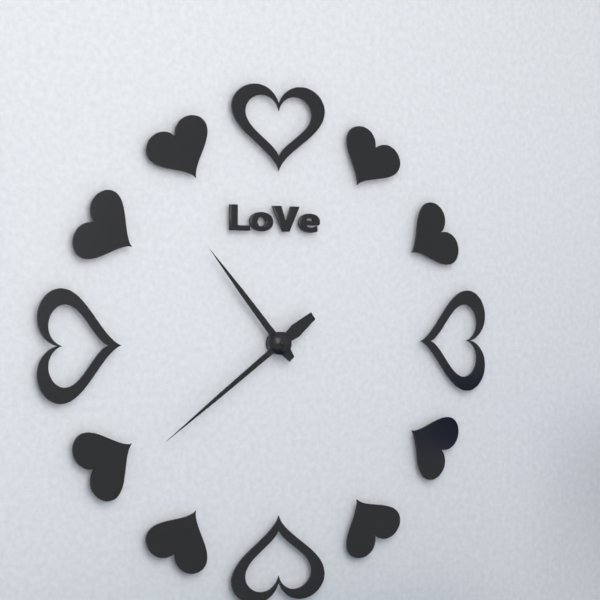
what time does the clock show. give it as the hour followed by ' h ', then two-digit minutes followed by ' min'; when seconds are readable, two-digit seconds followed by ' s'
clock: 10 h 39 min
